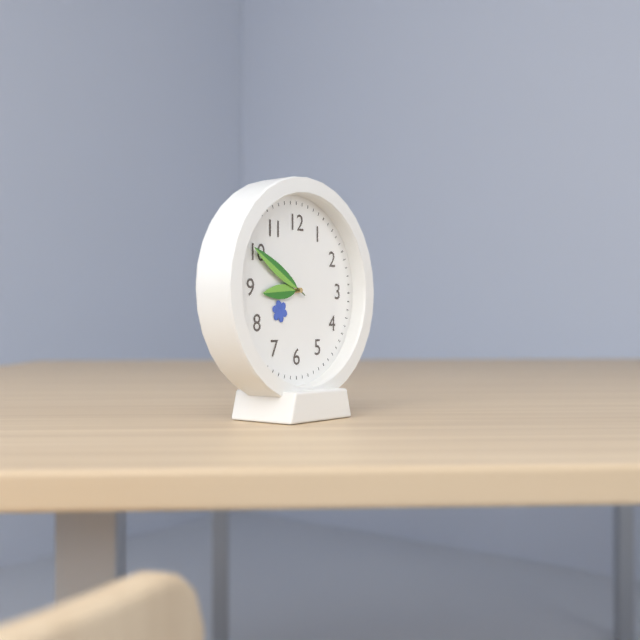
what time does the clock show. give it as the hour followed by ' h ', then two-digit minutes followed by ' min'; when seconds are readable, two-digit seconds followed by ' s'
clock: 8 h 50 min
